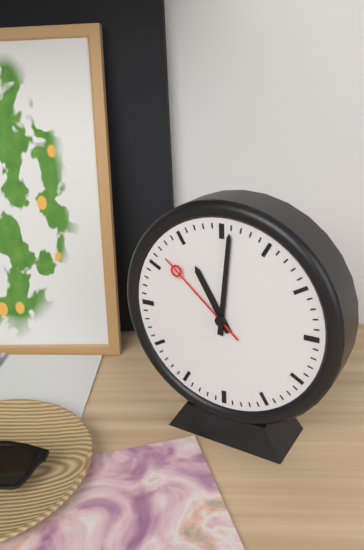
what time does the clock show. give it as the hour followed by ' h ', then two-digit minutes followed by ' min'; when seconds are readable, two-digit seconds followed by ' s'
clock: 11 h 01 min 52 s
